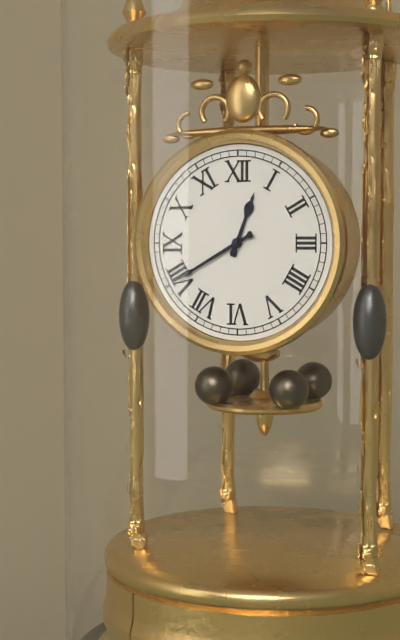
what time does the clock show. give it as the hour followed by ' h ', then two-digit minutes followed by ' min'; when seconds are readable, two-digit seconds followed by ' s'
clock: 12 h 40 min
